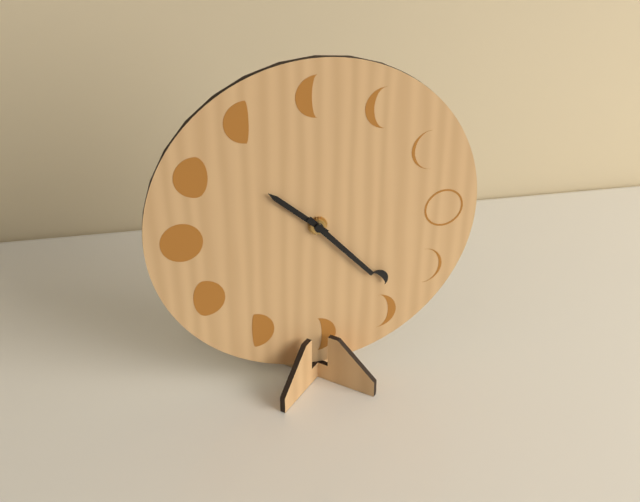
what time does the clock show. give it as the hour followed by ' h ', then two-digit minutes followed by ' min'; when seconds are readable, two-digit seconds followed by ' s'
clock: 10 h 23 min
